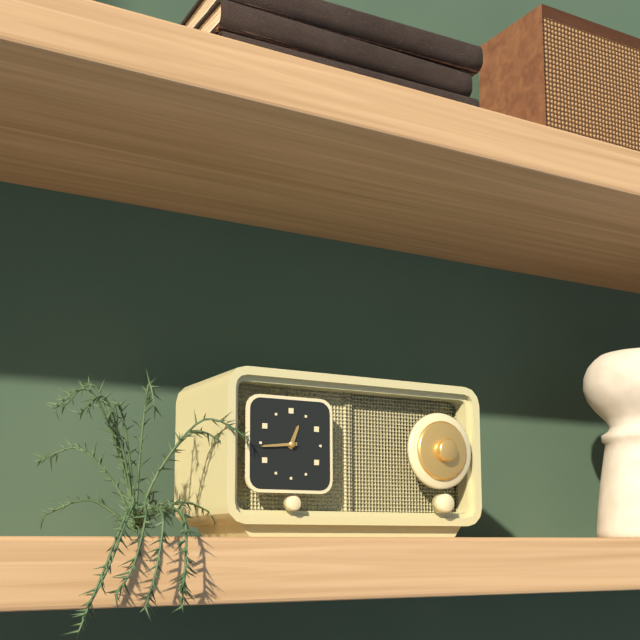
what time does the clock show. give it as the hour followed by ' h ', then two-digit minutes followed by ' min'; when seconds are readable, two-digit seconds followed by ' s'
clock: 12 h 44 min
